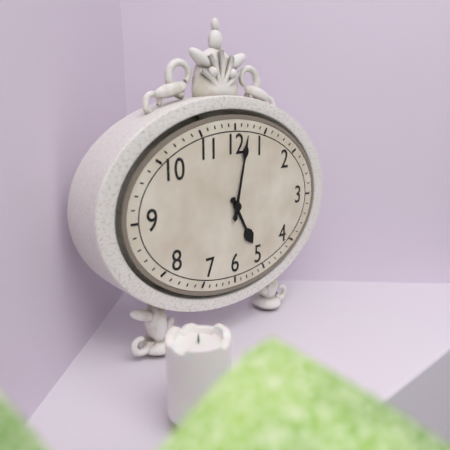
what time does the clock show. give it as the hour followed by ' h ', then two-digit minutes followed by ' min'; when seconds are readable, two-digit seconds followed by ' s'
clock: 5 h 02 min
